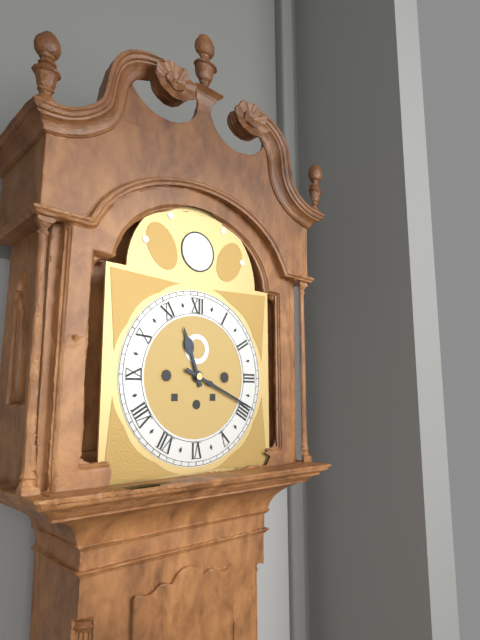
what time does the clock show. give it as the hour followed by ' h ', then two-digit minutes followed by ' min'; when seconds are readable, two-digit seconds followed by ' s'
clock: 11 h 19 min
